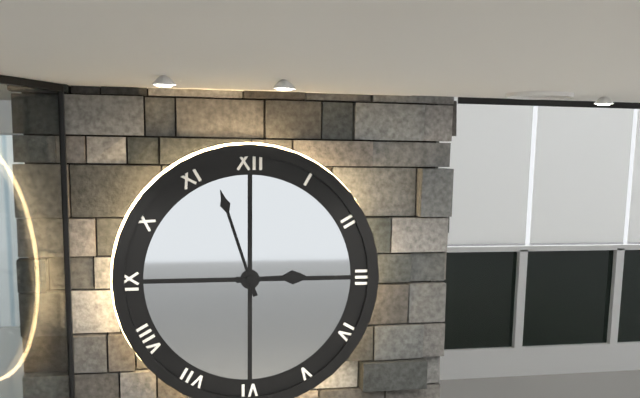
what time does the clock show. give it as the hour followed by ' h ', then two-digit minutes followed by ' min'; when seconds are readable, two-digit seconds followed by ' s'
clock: 2 h 57 min
